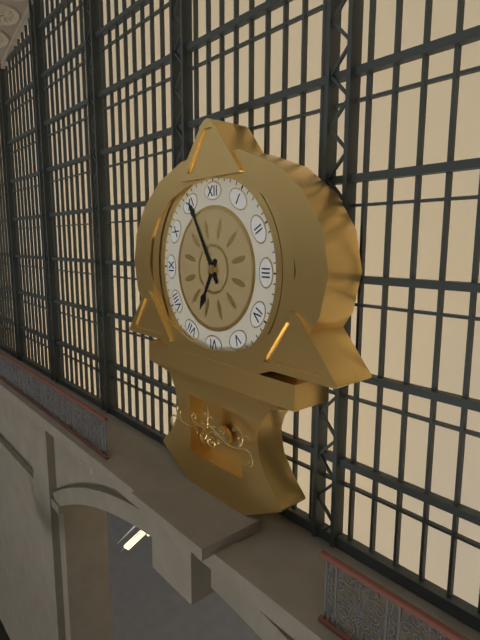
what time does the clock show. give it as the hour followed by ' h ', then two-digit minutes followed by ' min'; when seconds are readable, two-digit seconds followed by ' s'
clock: 6 h 55 min
